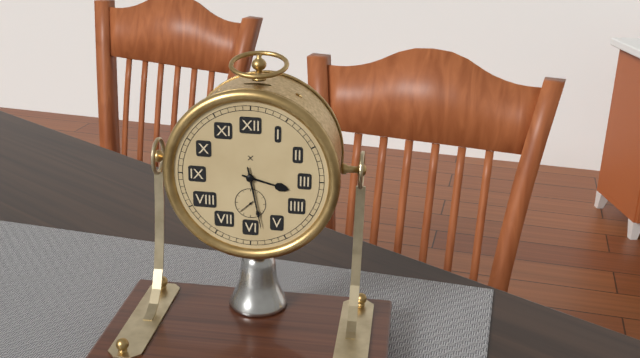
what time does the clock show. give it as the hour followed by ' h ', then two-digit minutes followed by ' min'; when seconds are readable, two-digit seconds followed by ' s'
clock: 3 h 28 min
